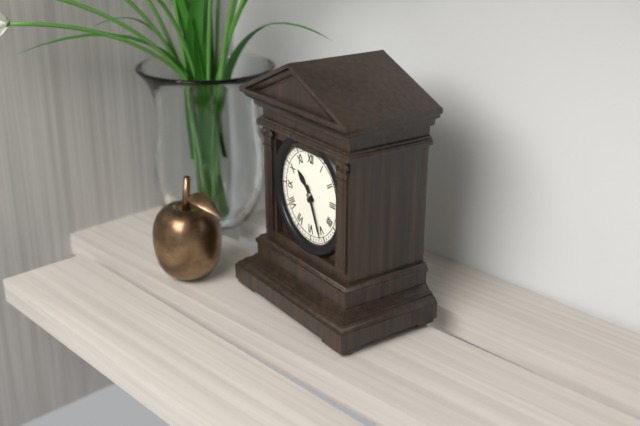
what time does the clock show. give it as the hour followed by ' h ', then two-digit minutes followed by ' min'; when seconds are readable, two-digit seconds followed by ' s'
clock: 10 h 26 min
